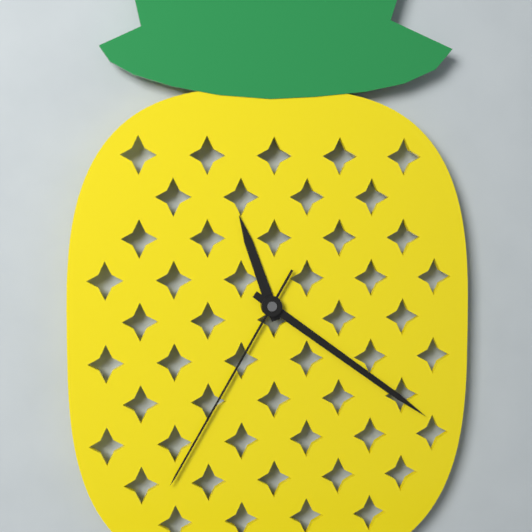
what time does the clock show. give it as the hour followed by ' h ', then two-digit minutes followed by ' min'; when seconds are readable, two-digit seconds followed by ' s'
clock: 11 h 21 min 35 s
